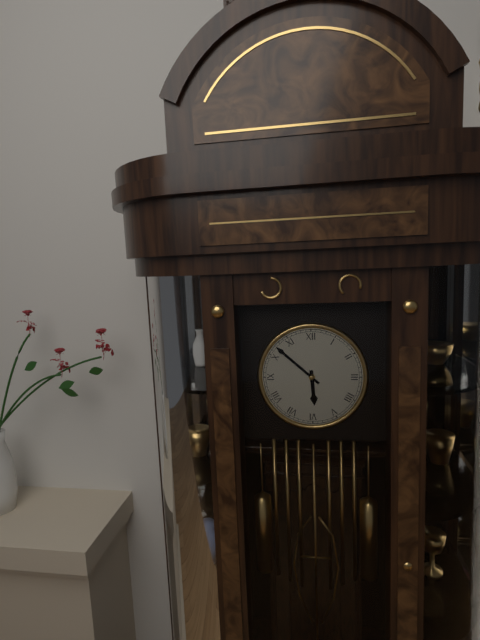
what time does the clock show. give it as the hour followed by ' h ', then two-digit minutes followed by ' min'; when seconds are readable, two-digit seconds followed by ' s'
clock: 5 h 52 min
